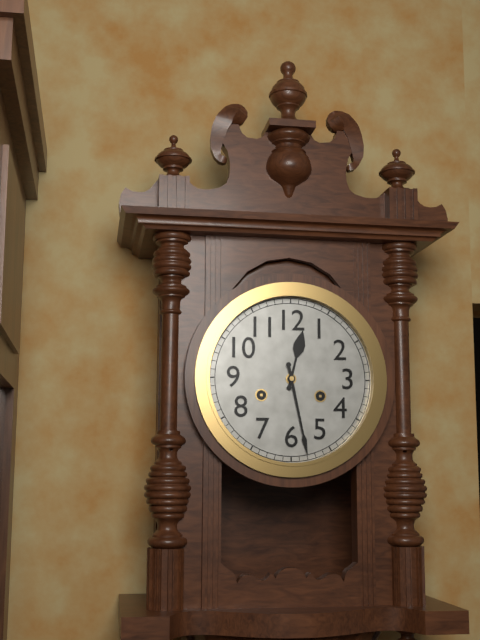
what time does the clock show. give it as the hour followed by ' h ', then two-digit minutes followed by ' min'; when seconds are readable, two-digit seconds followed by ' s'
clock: 12 h 28 min
